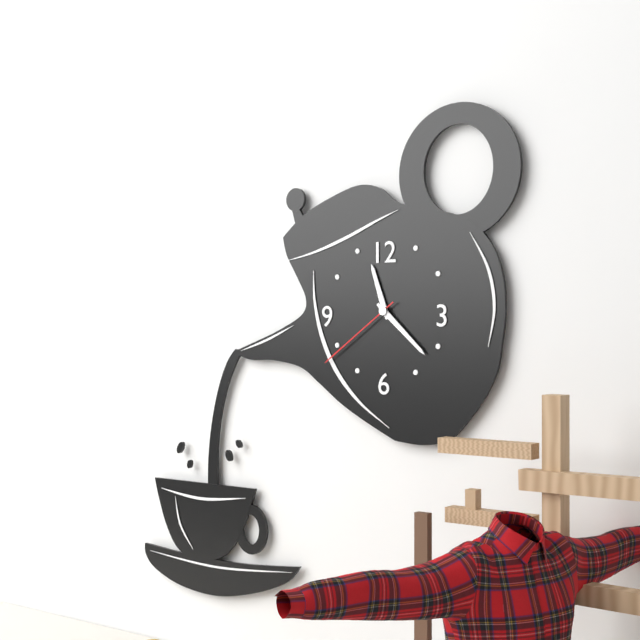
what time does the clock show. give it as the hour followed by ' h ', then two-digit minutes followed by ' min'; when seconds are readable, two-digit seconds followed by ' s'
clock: 11 h 22 min 39 s
